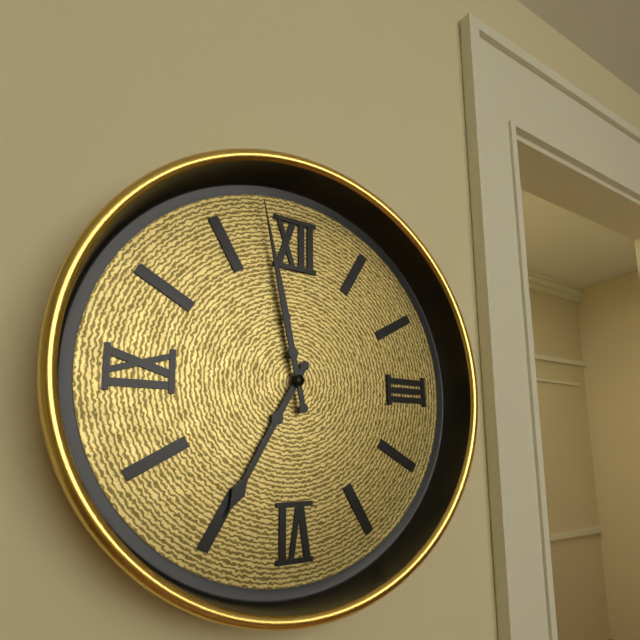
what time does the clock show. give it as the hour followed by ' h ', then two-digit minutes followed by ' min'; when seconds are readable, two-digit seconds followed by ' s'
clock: 6 h 58 min
